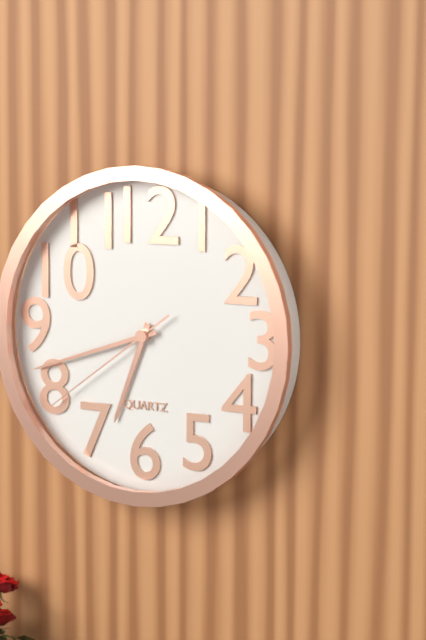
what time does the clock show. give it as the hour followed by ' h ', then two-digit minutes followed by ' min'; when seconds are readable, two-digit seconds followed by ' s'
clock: 6 h 42 min 39 s
